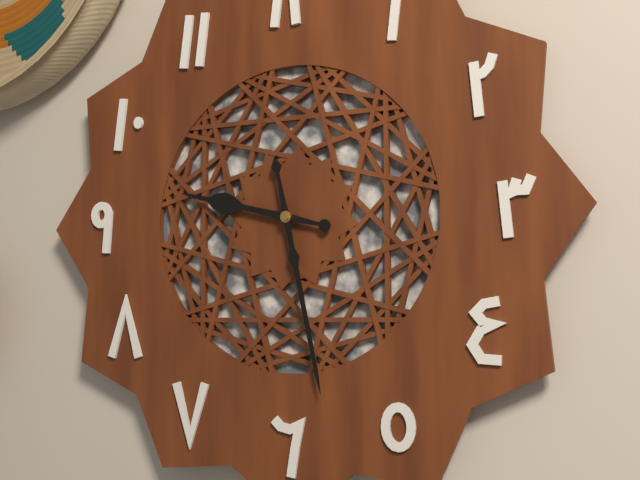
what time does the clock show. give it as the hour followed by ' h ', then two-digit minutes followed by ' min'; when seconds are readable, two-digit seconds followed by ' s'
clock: 9 h 28 min
